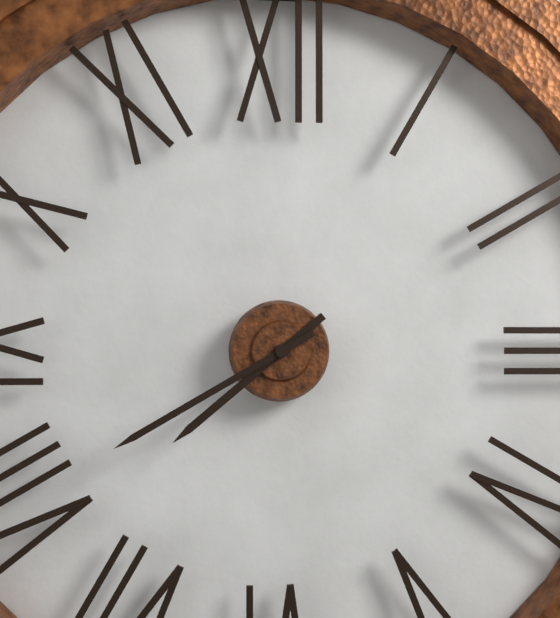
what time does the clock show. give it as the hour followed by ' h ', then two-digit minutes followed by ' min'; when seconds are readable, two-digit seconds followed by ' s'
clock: 7 h 40 min
